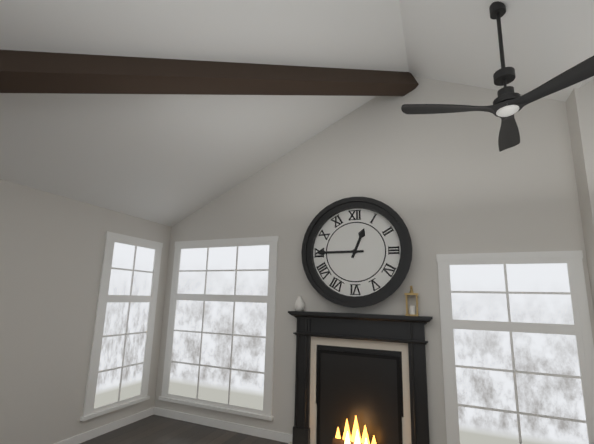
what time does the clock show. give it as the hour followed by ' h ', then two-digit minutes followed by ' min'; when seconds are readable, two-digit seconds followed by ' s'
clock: 12 h 45 min
